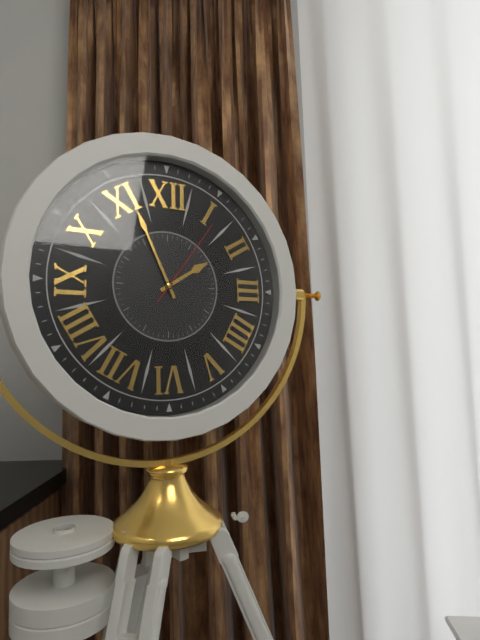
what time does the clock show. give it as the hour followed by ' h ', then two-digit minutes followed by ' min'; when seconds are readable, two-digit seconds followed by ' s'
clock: 1 h 56 min 06 s
